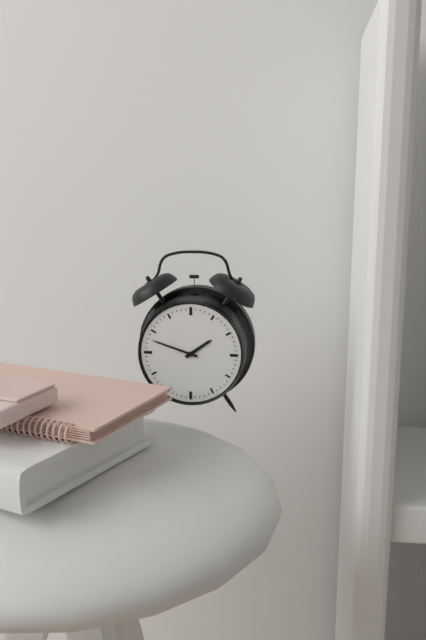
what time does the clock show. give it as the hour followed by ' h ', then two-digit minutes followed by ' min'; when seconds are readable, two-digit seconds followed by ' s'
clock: 1 h 48 min
